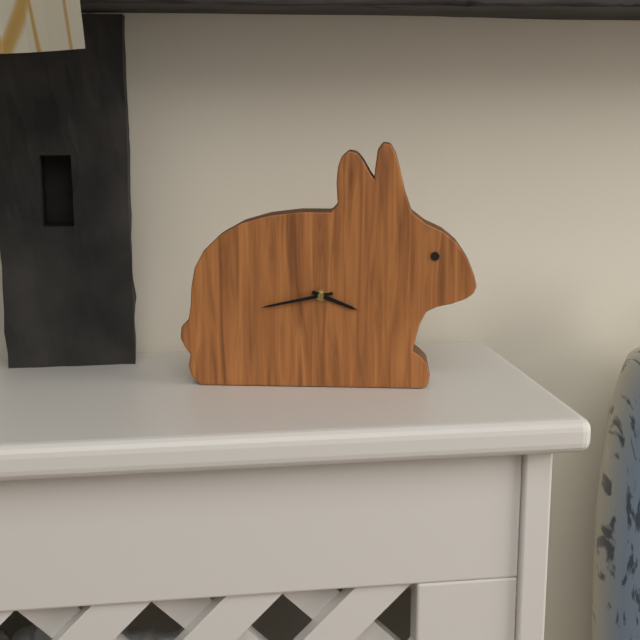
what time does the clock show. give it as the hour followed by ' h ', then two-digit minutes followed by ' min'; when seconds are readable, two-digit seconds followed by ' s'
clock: 3 h 43 min
